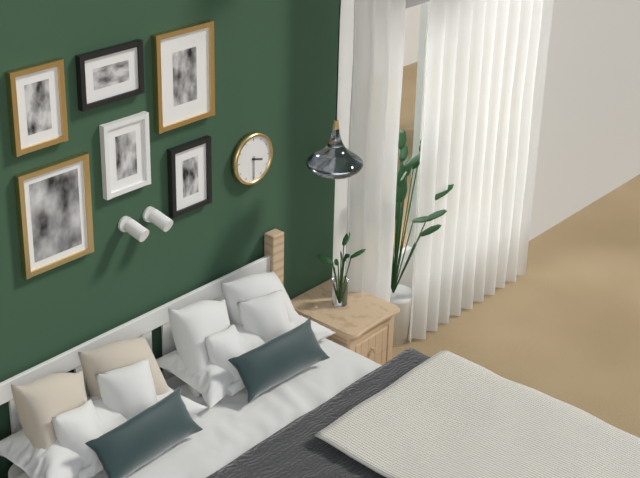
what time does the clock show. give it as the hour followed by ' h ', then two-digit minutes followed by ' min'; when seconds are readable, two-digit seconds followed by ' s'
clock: 3 h 30 min
